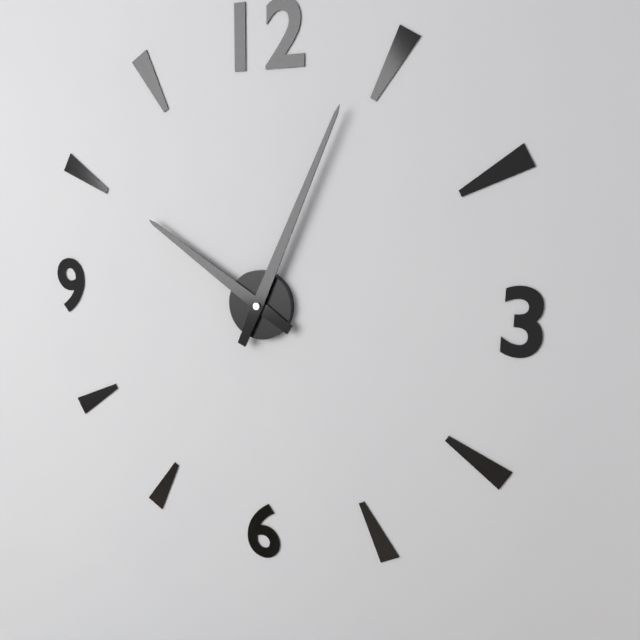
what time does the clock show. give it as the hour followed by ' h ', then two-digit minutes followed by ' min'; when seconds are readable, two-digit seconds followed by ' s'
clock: 10 h 04 min
